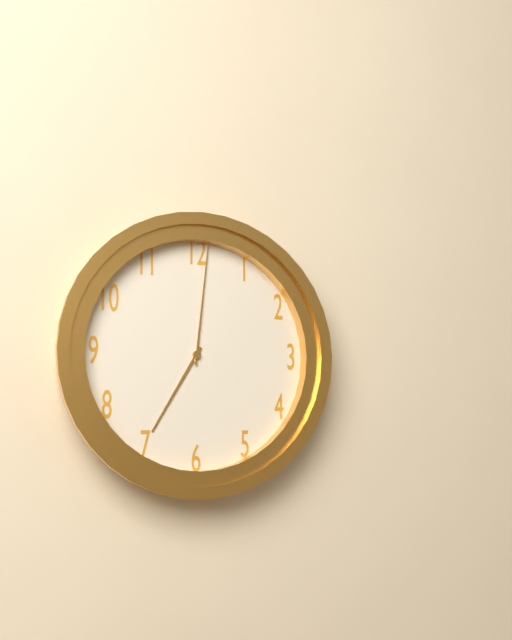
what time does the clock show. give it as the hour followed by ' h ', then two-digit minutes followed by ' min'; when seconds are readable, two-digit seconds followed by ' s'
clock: 7 h 01 min
